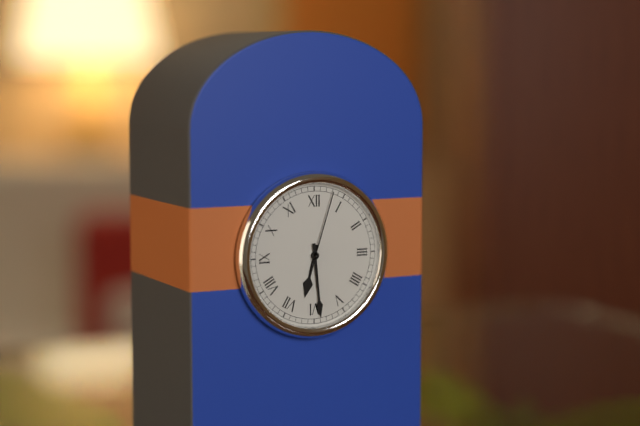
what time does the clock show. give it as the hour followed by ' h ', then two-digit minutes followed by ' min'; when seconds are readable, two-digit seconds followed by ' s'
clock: 6 h 29 min 03 s
